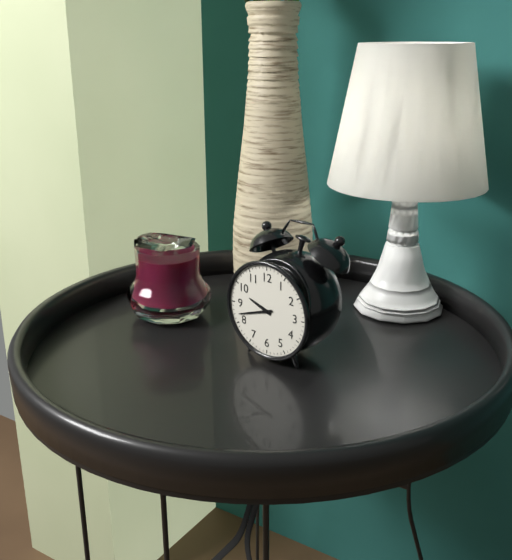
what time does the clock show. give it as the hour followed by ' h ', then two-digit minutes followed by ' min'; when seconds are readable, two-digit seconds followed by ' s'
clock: 9 h 42 min
